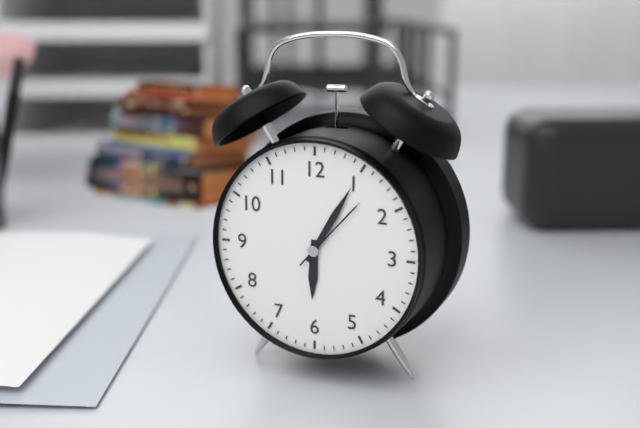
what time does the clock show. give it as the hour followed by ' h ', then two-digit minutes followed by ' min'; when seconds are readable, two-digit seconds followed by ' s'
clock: 6 h 05 min 07 s
